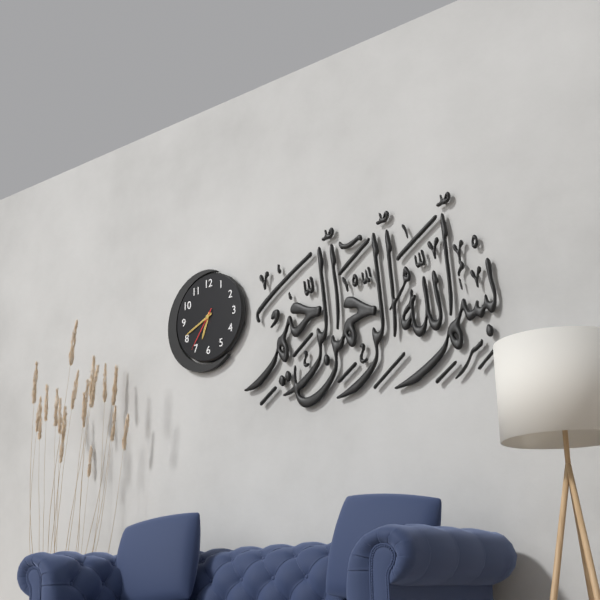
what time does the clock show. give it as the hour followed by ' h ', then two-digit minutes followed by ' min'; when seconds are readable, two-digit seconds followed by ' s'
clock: 6 h 41 min
